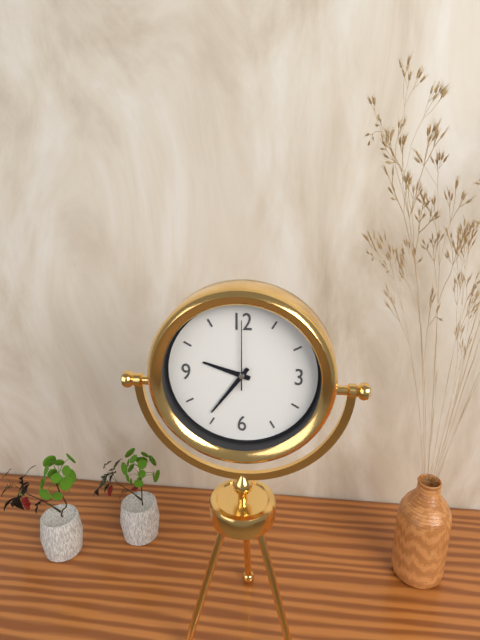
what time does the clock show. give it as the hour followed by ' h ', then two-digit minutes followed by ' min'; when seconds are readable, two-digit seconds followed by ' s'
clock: 9 h 36 min 00 s
